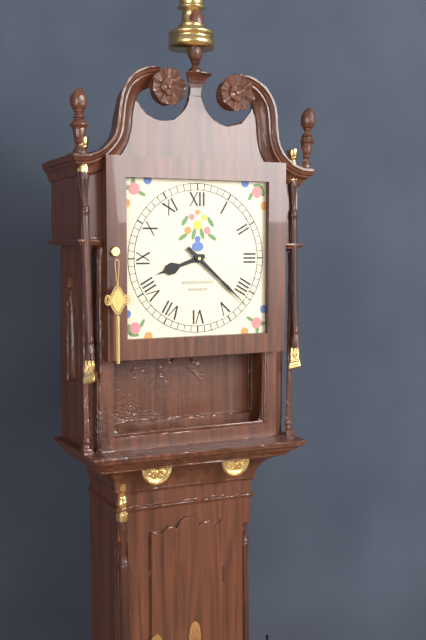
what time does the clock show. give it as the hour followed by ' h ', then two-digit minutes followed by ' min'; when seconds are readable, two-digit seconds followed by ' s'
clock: 8 h 22 min
